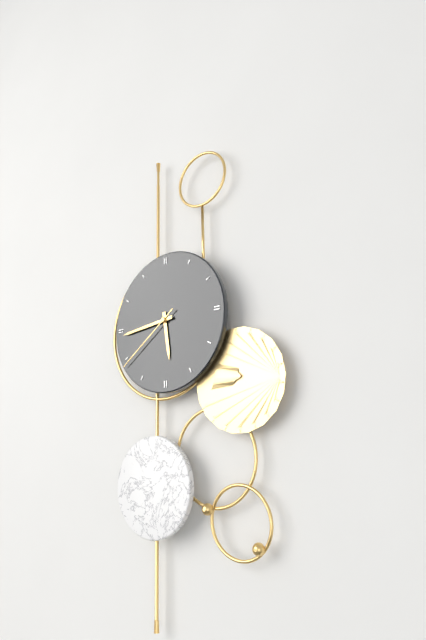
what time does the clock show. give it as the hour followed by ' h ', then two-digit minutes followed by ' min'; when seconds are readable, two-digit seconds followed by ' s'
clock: 5 h 44 min 39 s
